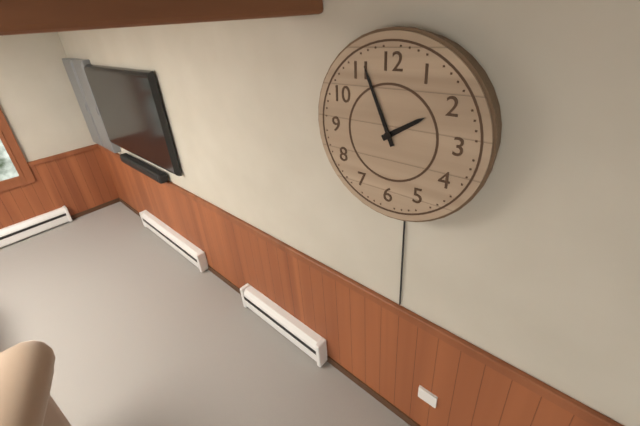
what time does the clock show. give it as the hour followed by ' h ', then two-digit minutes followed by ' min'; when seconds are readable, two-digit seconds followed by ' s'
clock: 1 h 56 min
